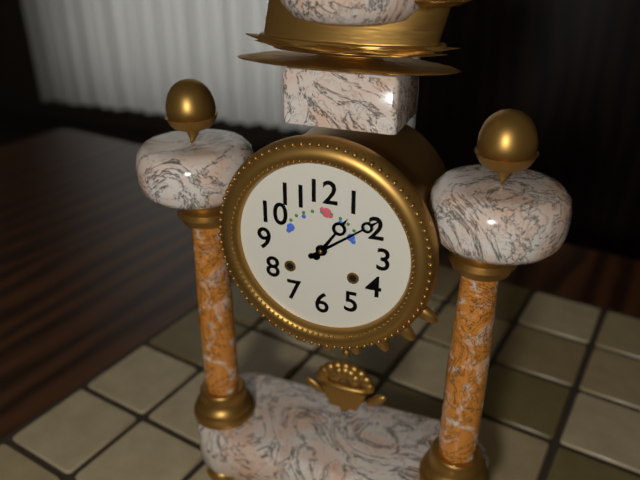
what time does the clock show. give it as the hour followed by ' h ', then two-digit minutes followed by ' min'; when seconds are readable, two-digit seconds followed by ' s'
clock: 1 h 09 min
